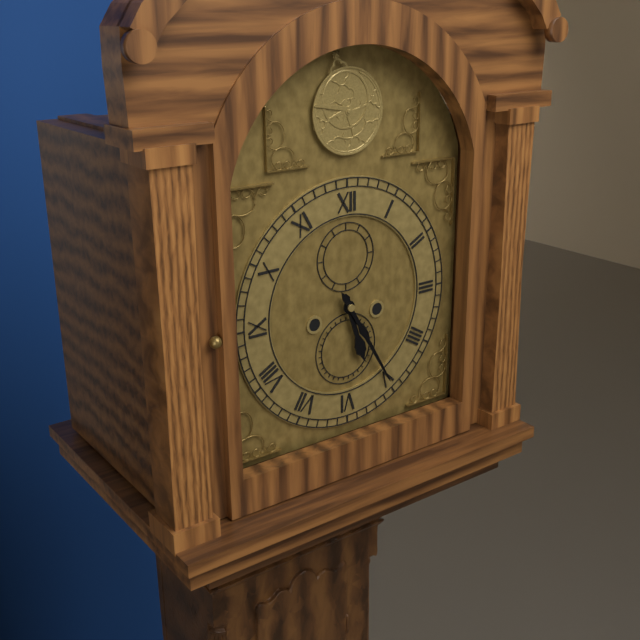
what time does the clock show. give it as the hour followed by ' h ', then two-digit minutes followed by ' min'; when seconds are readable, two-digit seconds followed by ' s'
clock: 5 h 25 min
